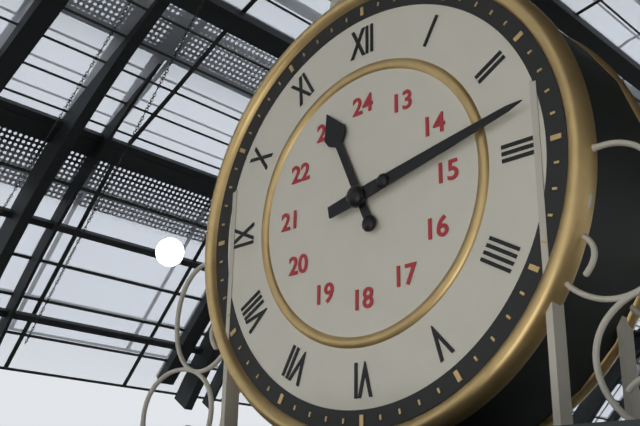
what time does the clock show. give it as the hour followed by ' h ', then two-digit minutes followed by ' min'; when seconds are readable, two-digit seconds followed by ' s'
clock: 11 h 13 min
